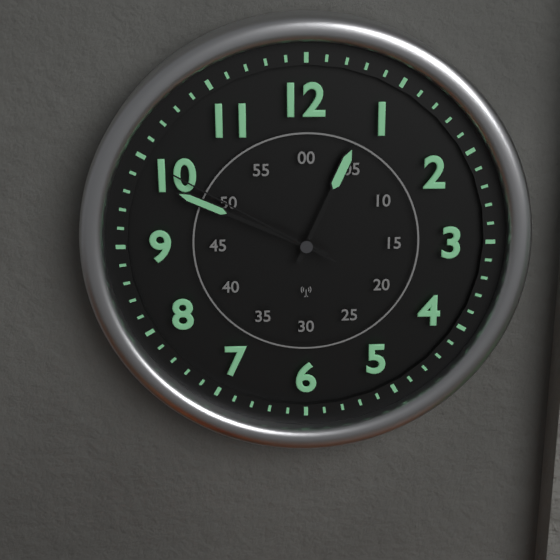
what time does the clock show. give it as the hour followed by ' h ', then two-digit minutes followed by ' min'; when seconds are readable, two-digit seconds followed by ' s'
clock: 12 h 49 min 50 s
